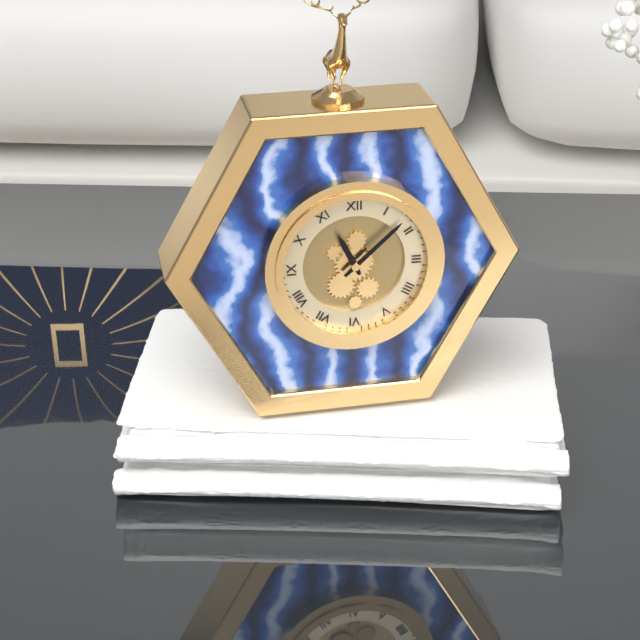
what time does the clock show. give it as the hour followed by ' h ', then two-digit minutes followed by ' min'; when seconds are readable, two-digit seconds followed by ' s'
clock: 11 h 08 min
